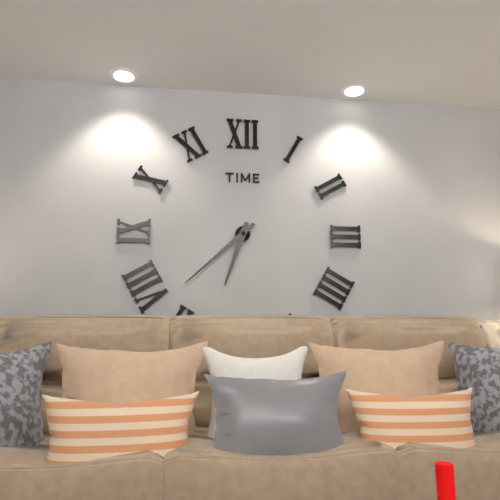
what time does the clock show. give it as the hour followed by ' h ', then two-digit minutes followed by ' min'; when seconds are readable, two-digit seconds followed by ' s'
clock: 6 h 38 min
